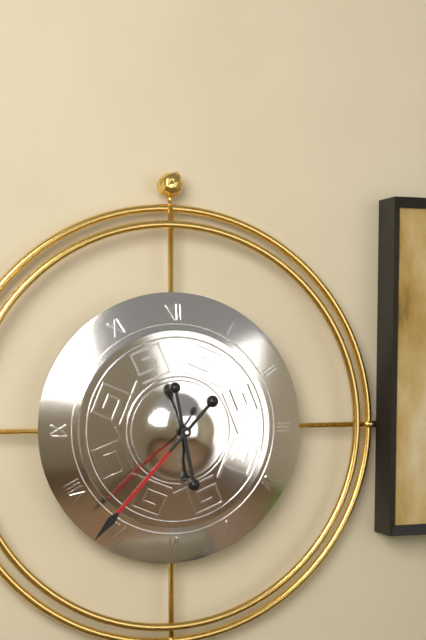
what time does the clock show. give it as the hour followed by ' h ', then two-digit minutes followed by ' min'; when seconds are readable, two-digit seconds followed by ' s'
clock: 5 h 37 min
